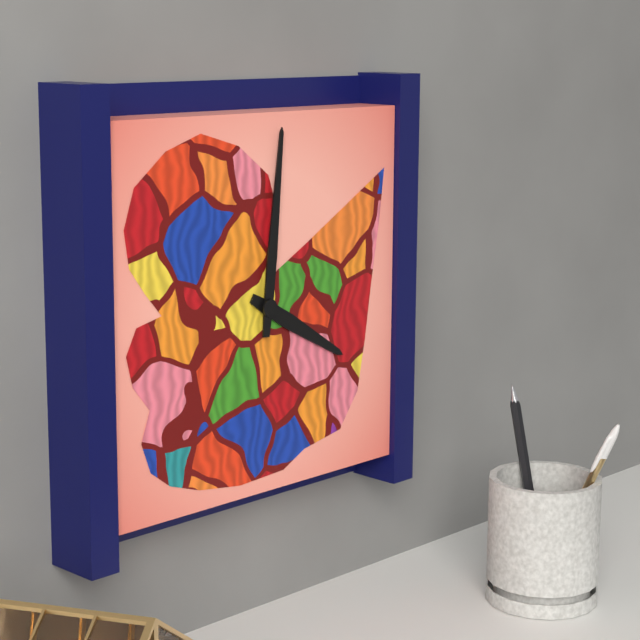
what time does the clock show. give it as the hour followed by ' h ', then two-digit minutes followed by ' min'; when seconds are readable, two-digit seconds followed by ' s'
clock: 4 h 01 min
